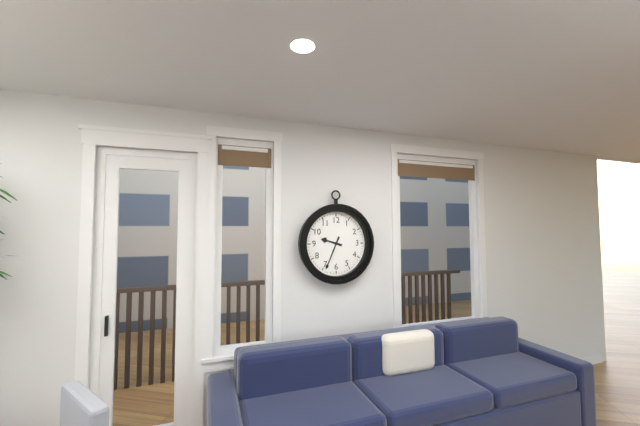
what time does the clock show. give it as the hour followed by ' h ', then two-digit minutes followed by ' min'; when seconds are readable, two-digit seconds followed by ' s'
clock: 9 h 34 min
